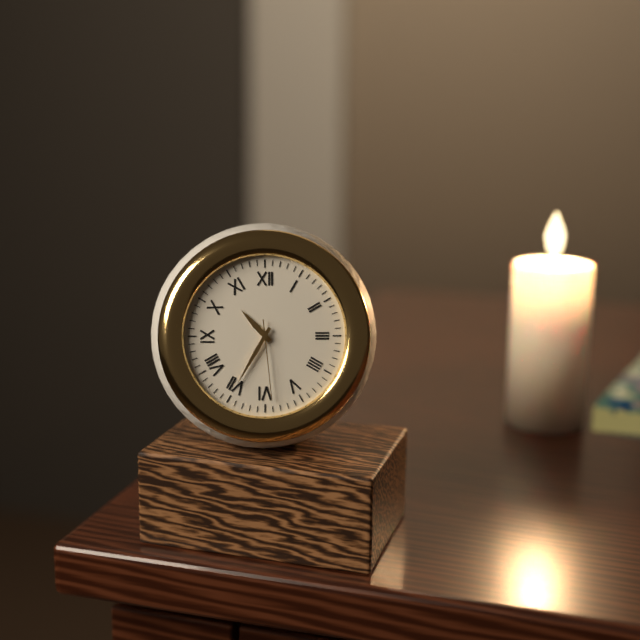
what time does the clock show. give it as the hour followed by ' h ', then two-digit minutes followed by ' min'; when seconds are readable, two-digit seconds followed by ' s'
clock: 10 h 35 min 29 s
